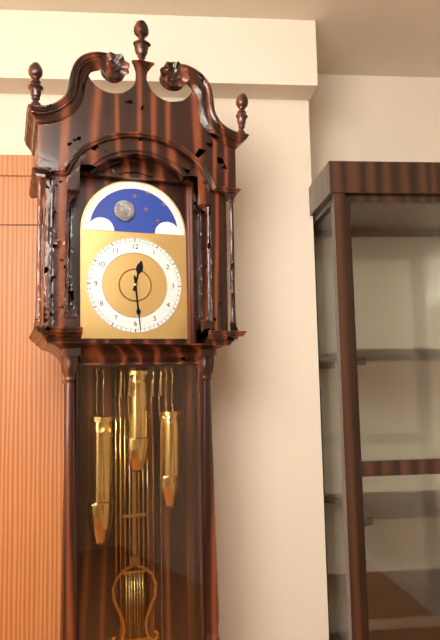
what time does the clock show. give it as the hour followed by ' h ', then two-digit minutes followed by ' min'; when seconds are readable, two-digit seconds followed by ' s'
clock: 12 h 29 min
